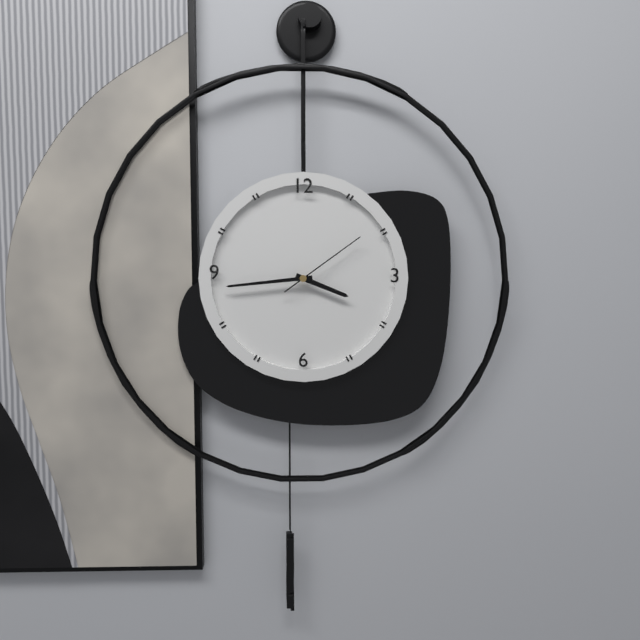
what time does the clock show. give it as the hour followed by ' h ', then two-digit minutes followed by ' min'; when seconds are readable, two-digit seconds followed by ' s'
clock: 3 h 44 min 09 s
